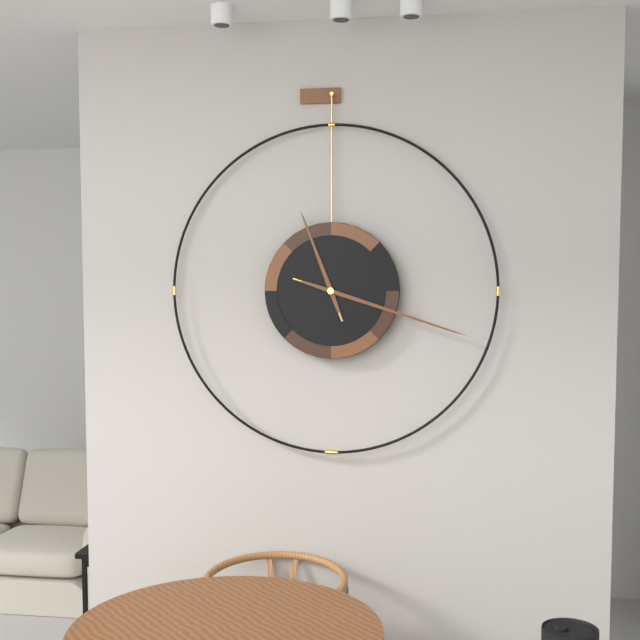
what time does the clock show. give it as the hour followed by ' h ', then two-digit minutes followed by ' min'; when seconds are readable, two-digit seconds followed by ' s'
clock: 11 h 18 min
